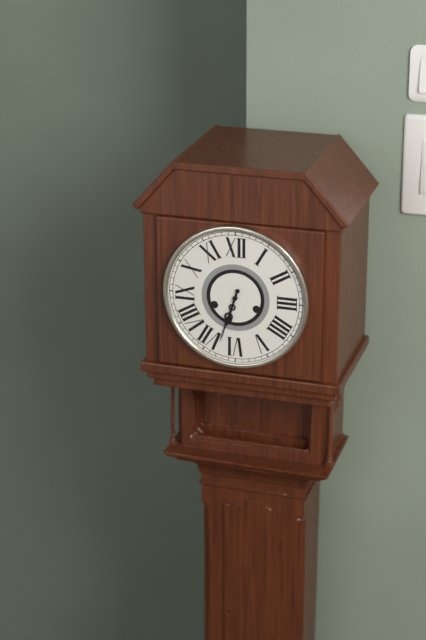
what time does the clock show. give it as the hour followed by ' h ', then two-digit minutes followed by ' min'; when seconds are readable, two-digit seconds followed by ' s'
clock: 6 h 33 min
